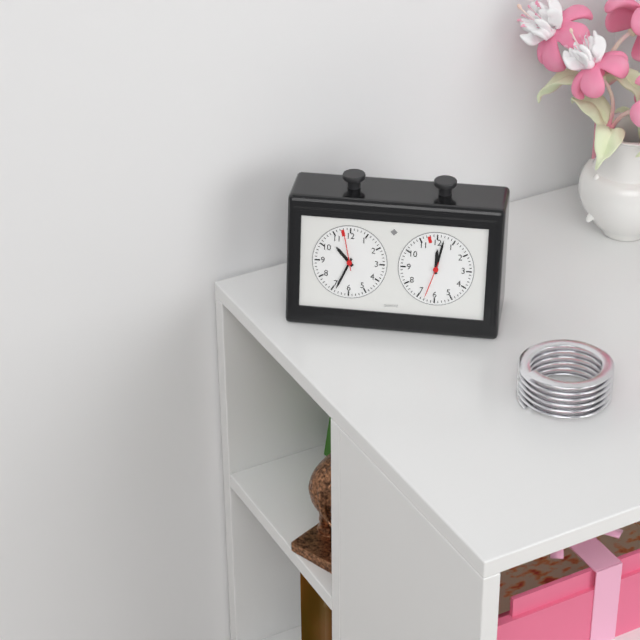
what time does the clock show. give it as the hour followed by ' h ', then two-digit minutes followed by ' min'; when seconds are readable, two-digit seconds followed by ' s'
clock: 10 h 34 min
